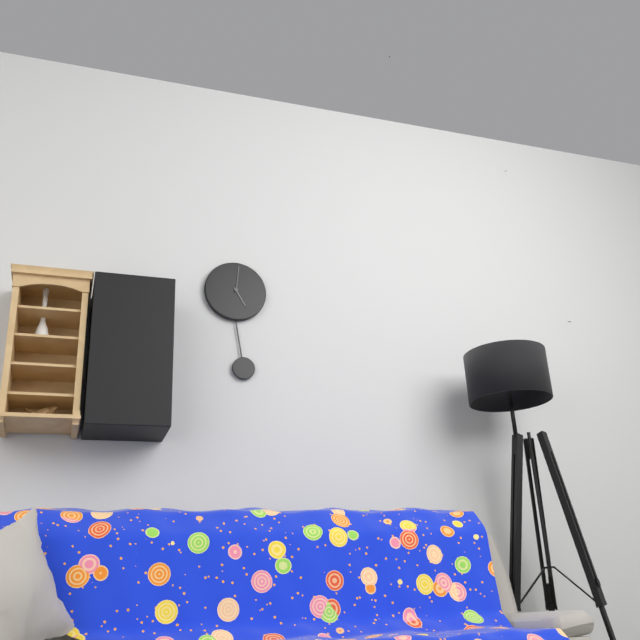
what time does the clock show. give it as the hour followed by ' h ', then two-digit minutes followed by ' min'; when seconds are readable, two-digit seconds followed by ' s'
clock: 5 h 01 min
